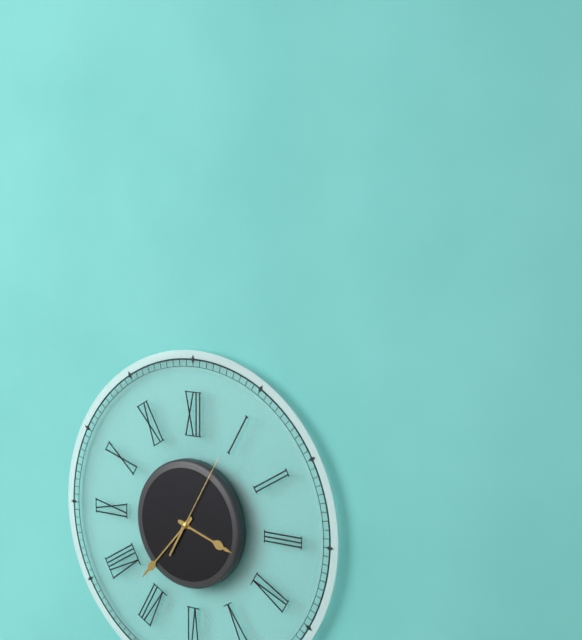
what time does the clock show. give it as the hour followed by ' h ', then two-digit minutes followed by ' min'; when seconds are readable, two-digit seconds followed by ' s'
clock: 3 h 37 min 05 s
